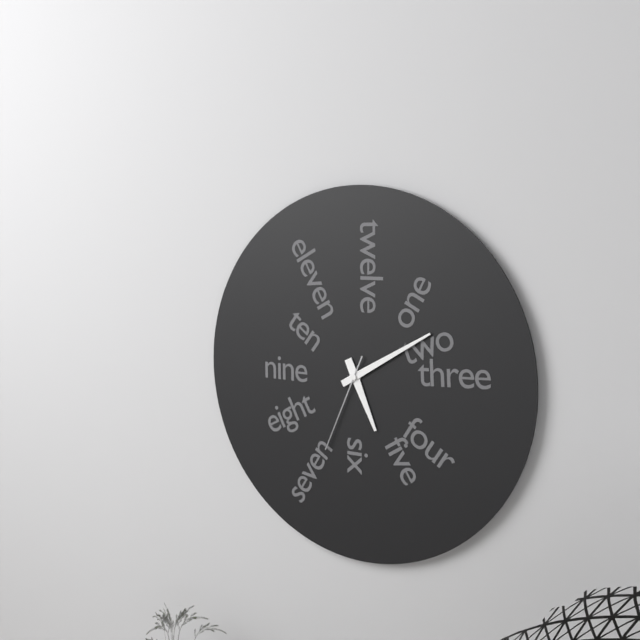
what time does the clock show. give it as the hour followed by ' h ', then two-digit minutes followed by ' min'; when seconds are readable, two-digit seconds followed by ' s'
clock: 5 h 10 min 34 s
